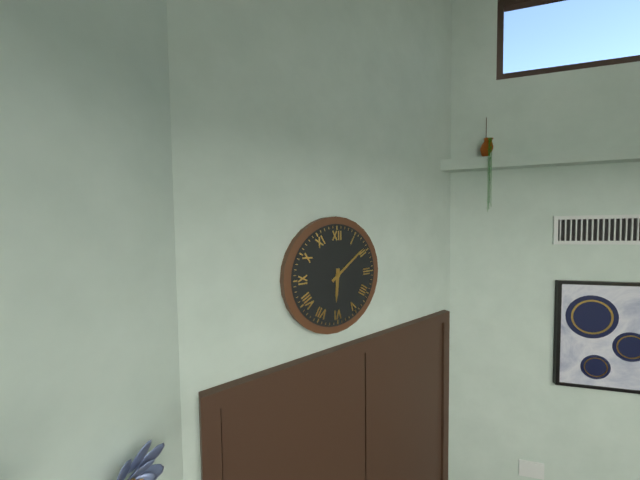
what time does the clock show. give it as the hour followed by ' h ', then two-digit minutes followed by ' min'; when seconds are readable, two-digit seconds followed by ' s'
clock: 6 h 09 min
